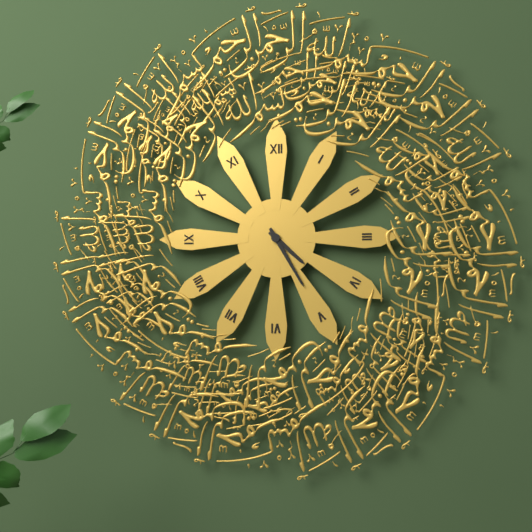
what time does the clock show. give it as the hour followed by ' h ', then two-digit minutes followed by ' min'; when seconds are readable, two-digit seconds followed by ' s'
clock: 4 h 25 min
